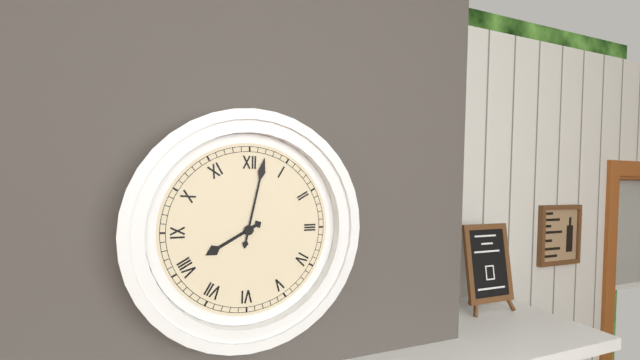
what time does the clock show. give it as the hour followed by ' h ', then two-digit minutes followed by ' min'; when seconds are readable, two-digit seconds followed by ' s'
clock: 8 h 02 min
